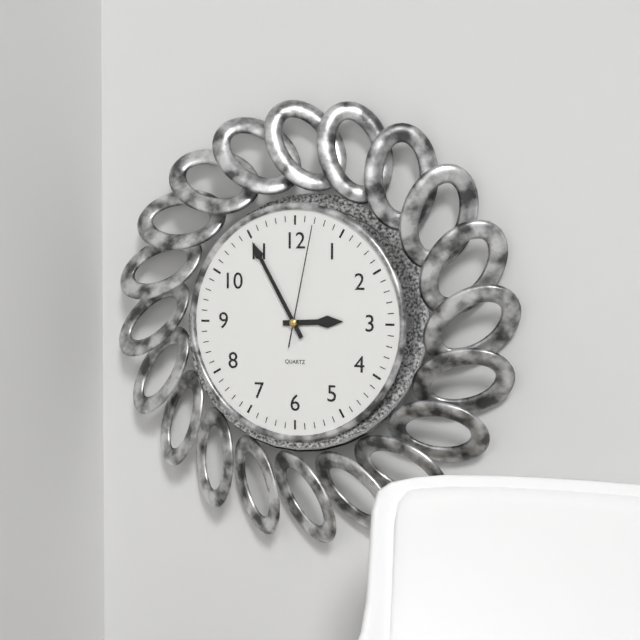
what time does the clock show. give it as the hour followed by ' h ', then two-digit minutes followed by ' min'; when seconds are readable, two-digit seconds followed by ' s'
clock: 2 h 55 min 02 s
